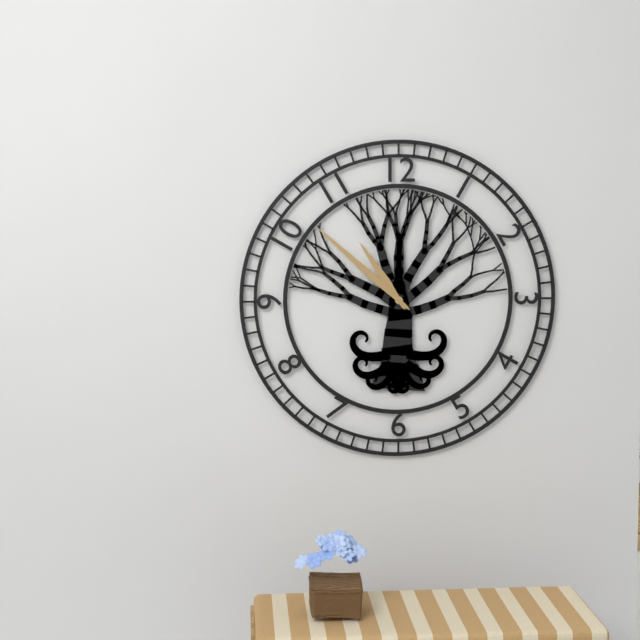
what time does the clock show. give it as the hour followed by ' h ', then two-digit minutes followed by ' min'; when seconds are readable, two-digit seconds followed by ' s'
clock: 10 h 52 min
